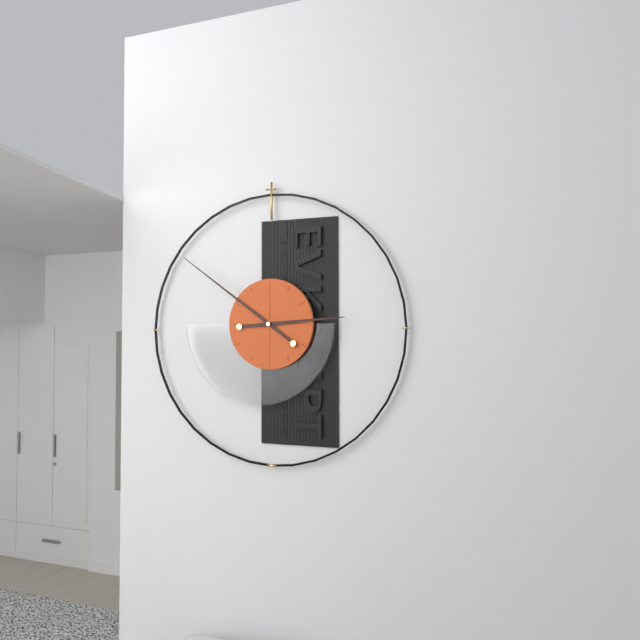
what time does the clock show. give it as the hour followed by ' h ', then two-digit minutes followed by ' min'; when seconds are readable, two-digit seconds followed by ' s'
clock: 2 h 51 min
